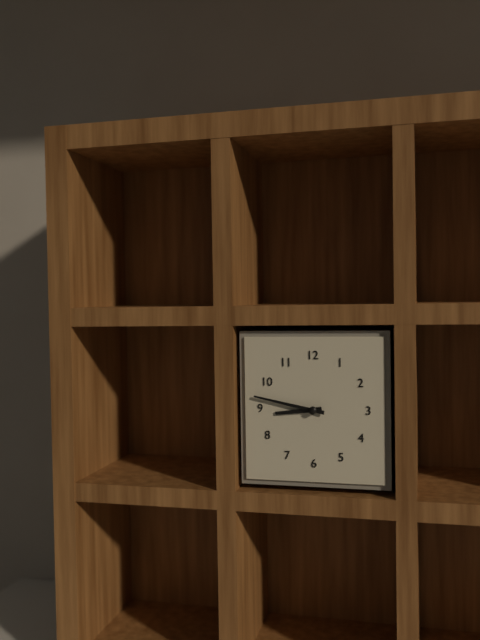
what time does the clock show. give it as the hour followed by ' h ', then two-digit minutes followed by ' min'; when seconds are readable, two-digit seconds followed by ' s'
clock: 8 h 47 min
